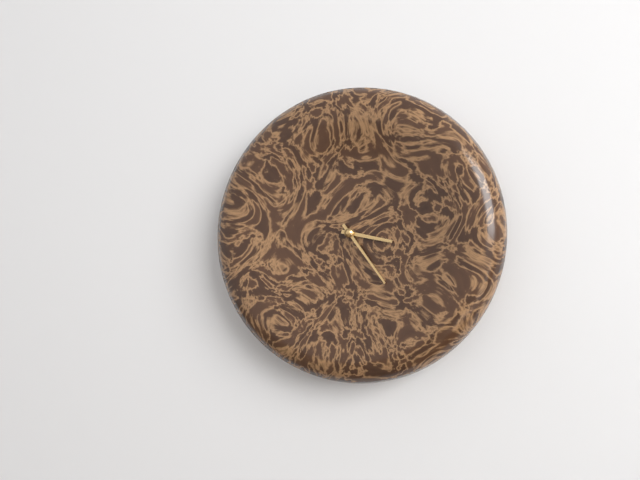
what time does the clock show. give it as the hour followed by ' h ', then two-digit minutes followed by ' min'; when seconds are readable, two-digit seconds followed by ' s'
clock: 3 h 24 min
